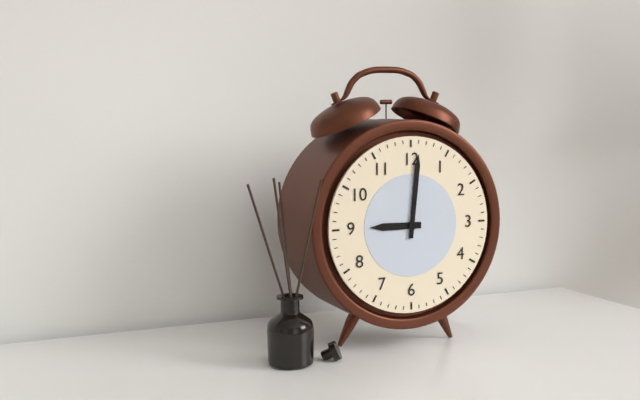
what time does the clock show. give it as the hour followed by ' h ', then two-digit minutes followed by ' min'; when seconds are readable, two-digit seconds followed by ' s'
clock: 9 h 01 min
